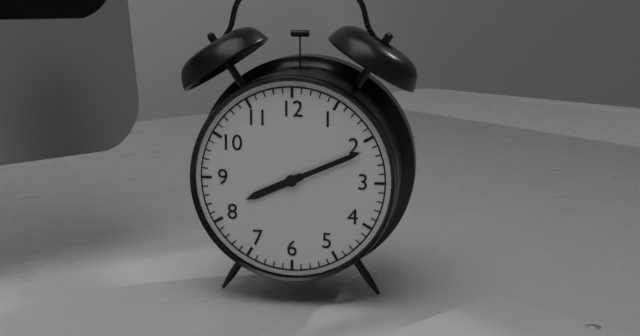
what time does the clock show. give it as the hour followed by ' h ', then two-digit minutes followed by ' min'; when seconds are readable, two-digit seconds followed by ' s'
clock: 8 h 11 min
